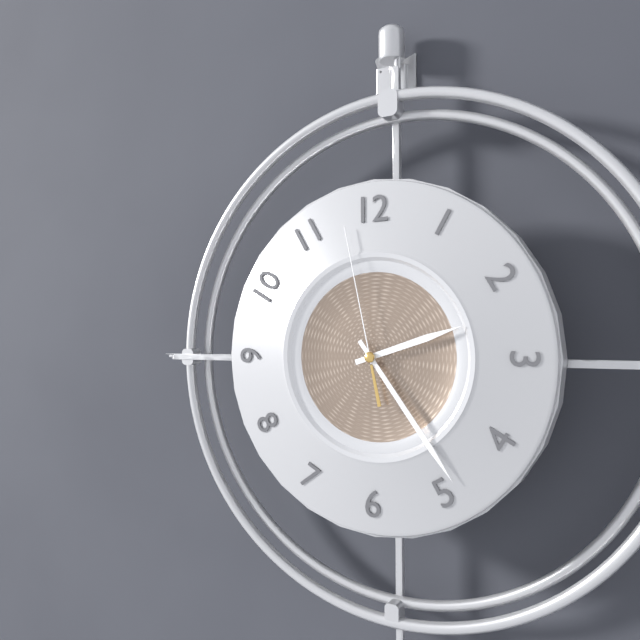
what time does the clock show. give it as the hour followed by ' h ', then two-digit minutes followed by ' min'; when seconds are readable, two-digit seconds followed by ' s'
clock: 2 h 24 min 58 s
